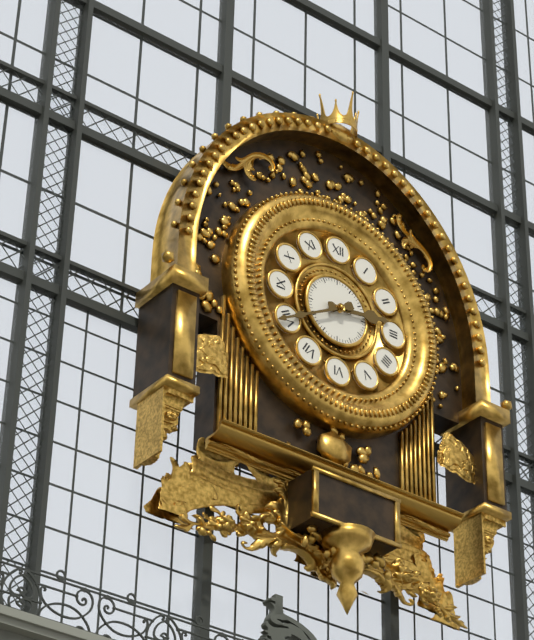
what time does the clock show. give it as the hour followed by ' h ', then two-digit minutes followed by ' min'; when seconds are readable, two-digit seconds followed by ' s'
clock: 2 h 40 min
